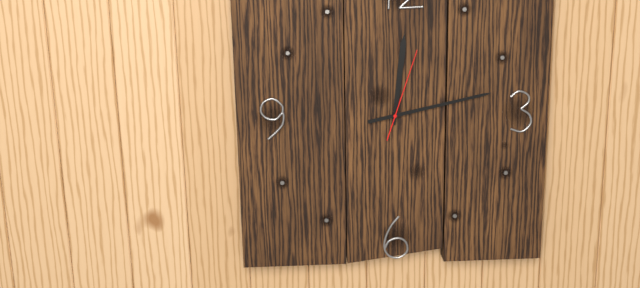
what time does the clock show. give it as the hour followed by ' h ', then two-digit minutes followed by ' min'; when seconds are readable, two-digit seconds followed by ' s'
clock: 12 h 13 min 03 s
